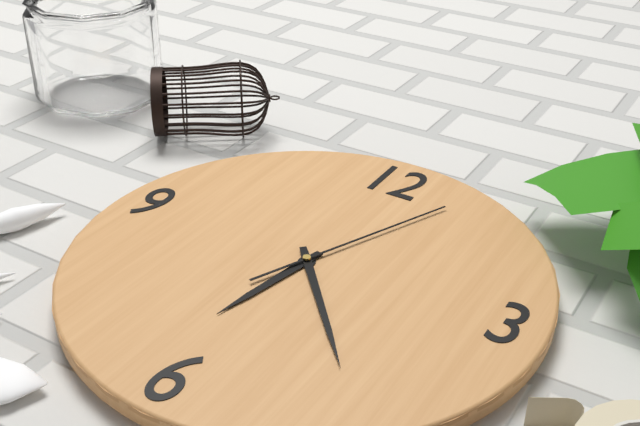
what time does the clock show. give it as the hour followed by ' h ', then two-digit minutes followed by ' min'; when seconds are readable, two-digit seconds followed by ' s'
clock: 6 h 23 min 04 s
